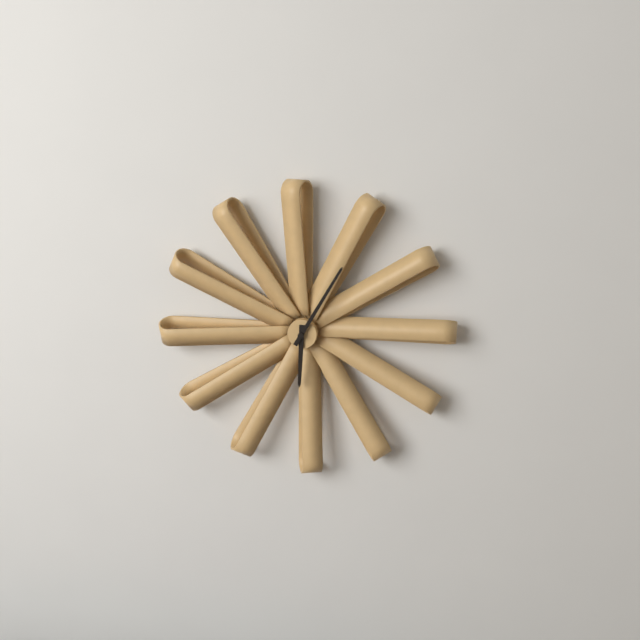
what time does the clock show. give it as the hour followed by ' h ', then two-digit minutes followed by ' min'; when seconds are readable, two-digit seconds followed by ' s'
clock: 6 h 05 min
